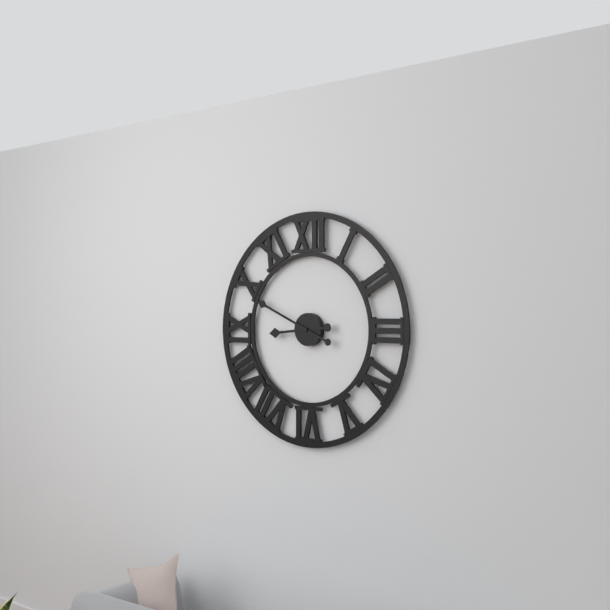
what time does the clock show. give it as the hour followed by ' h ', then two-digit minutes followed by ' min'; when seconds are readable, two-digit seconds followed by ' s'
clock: 8 h 49 min
